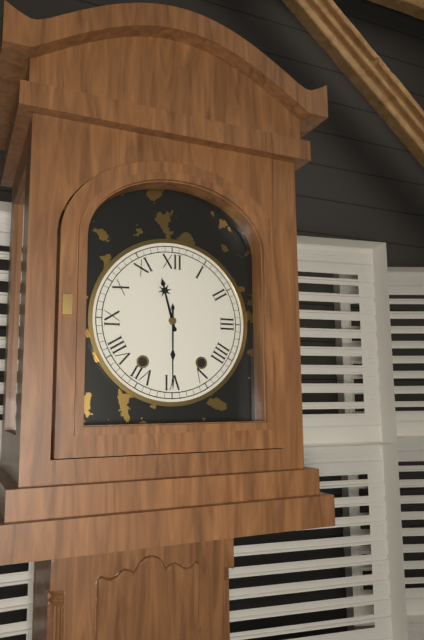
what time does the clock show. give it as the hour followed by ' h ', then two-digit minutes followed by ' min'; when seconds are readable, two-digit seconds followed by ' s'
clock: 11 h 30 min
